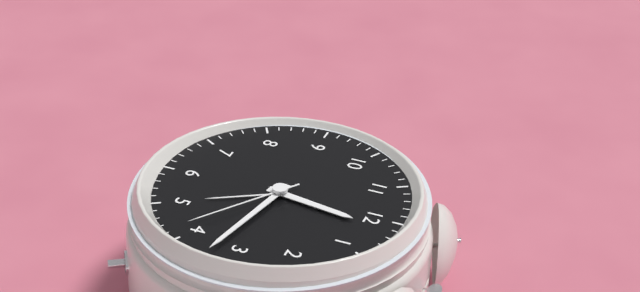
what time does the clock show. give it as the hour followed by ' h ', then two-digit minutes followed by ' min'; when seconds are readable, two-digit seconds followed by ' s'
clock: 12 h 17 min 21 s
